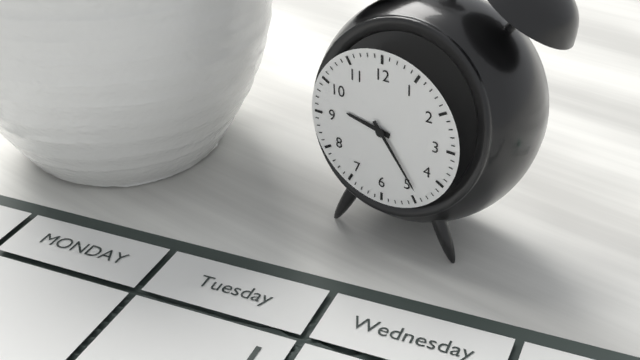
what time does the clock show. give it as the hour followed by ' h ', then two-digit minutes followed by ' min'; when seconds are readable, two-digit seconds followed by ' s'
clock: 9 h 24 min
